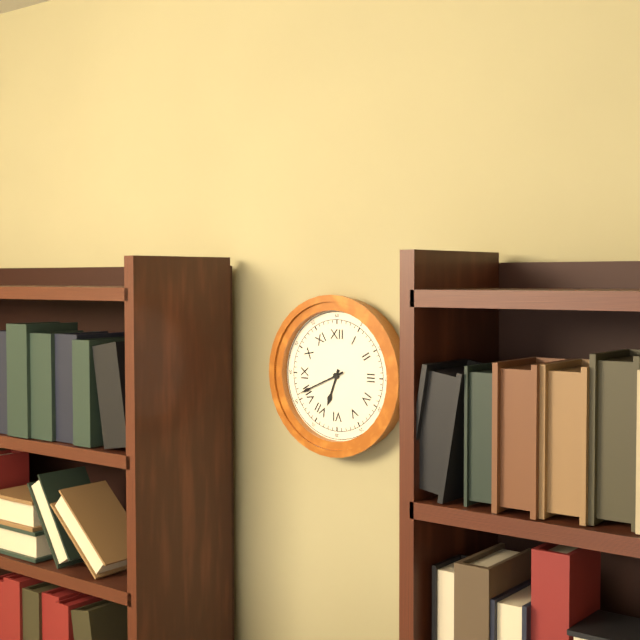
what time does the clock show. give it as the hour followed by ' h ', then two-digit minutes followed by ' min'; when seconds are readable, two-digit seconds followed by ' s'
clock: 6 h 41 min
